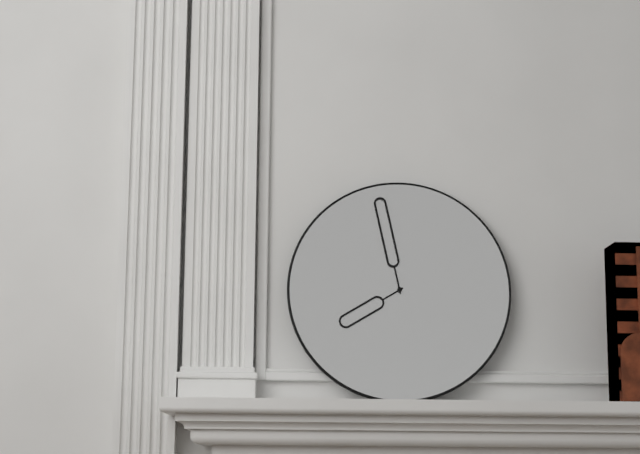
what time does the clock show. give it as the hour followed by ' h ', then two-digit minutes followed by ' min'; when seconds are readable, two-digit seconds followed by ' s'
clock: 7 h 58 min
